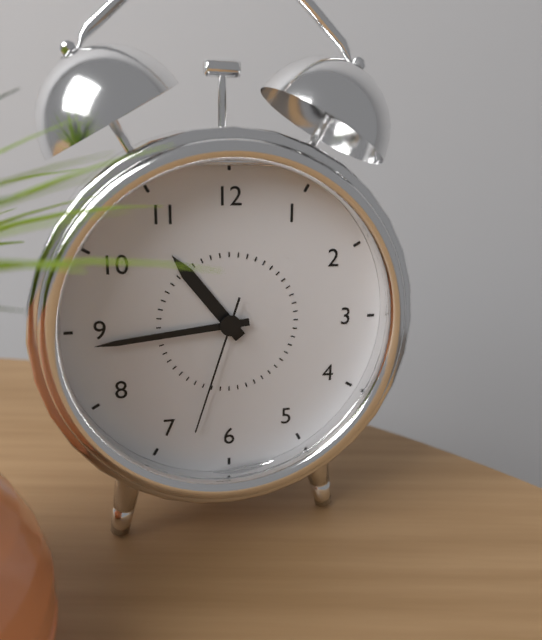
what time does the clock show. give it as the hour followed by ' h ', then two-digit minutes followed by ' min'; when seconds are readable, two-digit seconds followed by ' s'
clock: 10 h 44 min 33 s
